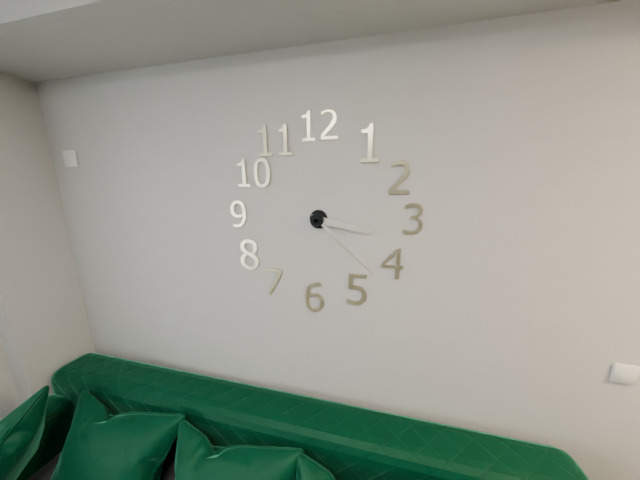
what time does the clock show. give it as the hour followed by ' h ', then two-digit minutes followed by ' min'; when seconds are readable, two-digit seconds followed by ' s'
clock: 3 h 22 min
